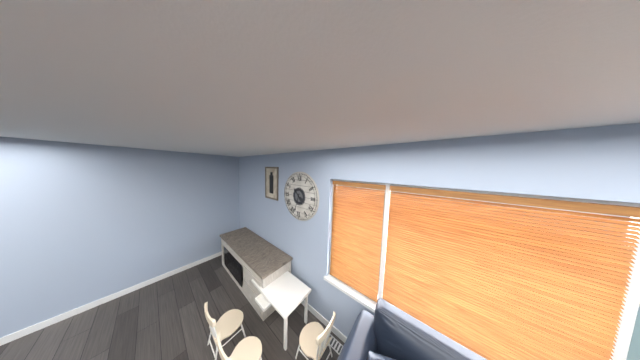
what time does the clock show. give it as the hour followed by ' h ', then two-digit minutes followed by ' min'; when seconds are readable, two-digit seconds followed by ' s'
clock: 10 h 33 min
